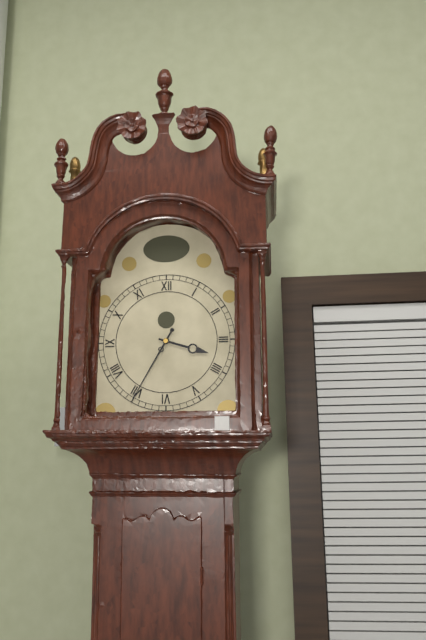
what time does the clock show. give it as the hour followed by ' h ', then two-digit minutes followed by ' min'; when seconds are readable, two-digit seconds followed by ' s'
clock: 3 h 35 min
